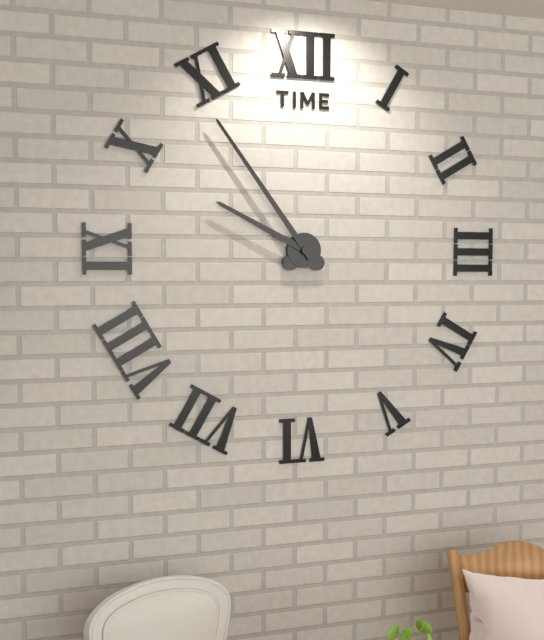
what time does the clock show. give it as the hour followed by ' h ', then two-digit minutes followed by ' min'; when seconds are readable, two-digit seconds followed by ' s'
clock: 9 h 54 min
